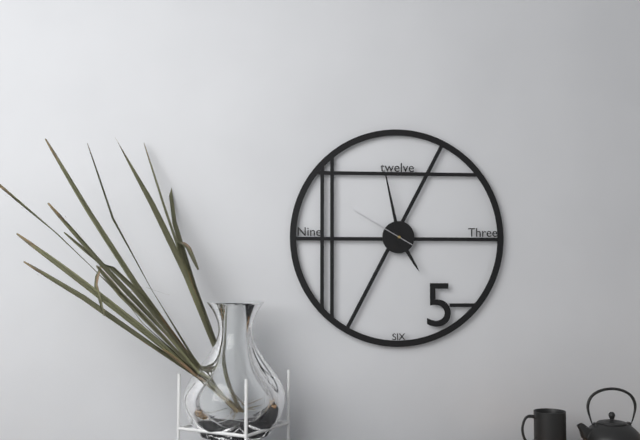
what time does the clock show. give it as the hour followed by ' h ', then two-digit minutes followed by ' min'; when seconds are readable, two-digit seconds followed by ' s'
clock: 4 h 58 min 50 s
